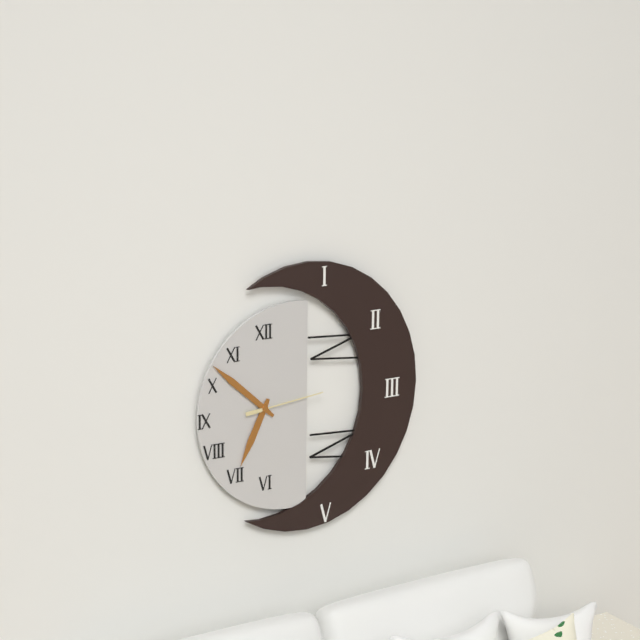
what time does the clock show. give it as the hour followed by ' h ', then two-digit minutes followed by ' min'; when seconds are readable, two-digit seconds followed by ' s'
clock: 6 h 52 min 14 s
